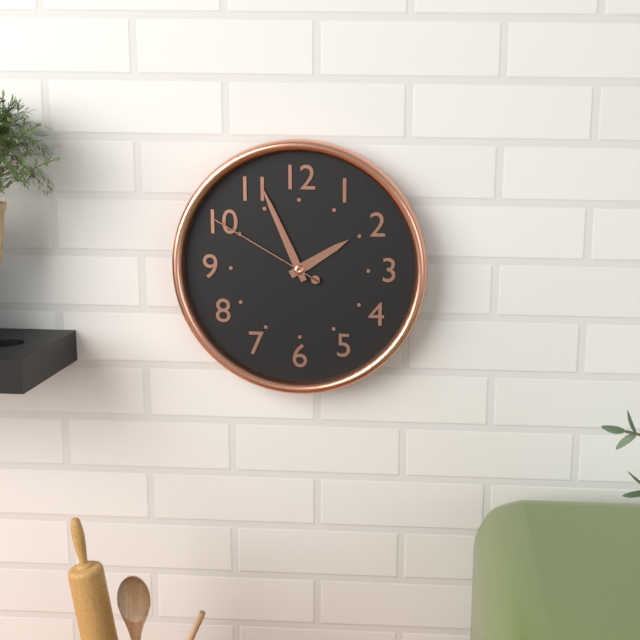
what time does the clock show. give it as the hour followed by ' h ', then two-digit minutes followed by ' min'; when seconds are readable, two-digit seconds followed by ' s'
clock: 1 h 56 min 50 s
